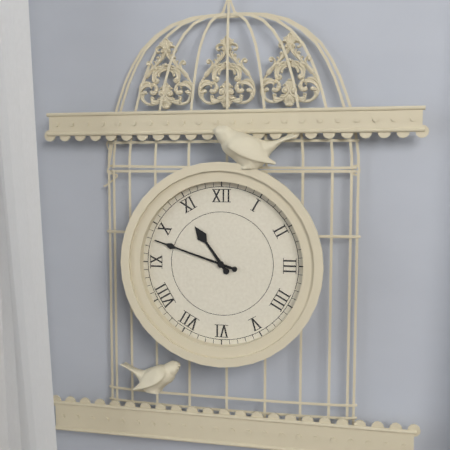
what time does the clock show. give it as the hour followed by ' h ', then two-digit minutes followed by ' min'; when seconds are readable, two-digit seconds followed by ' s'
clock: 10 h 48 min
